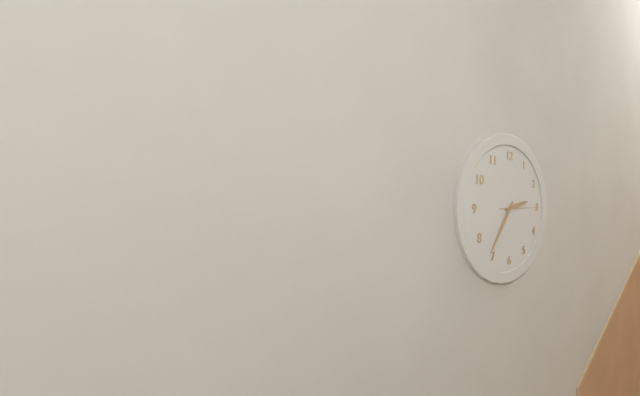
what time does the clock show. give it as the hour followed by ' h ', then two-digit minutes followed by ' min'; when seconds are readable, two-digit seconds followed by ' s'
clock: 2 h 36 min
